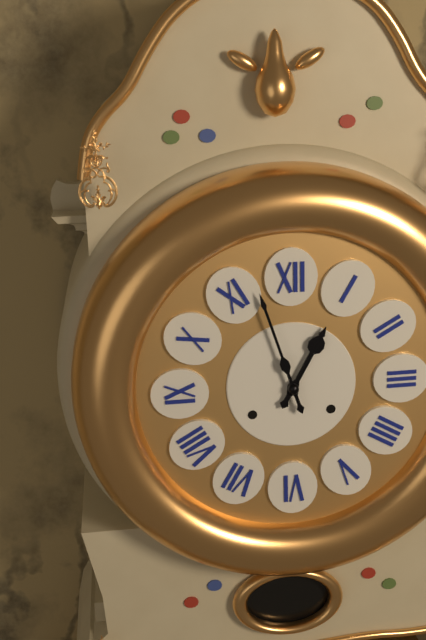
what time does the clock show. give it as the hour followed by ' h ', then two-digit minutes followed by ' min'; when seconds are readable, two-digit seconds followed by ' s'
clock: 12 h 57 min
